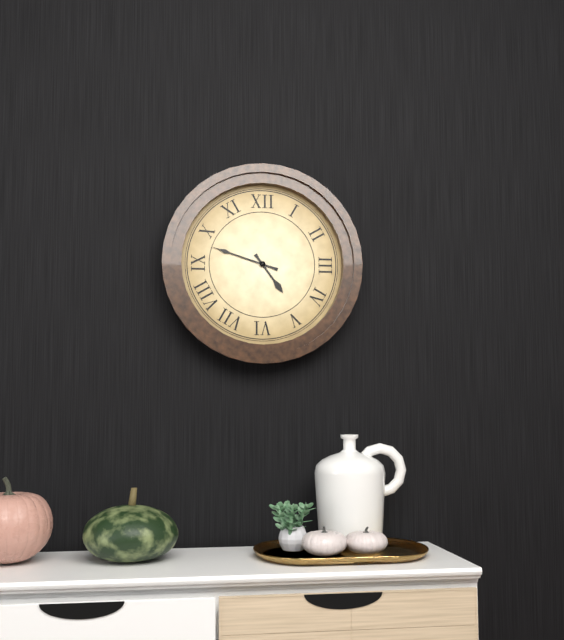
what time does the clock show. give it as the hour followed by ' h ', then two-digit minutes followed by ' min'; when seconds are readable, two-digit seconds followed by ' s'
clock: 4 h 48 min
